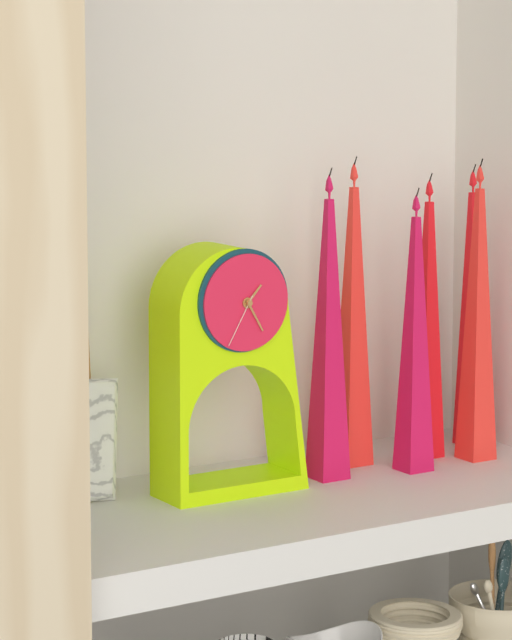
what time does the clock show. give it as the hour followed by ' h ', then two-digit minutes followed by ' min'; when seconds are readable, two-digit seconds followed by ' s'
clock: 1 h 25 min 35 s
